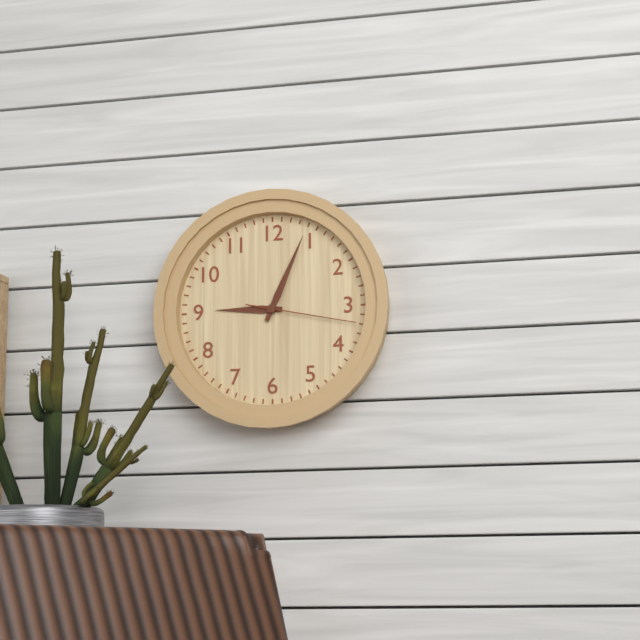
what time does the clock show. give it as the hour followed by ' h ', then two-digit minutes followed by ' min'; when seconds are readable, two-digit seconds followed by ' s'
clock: 9 h 04 min 17 s
